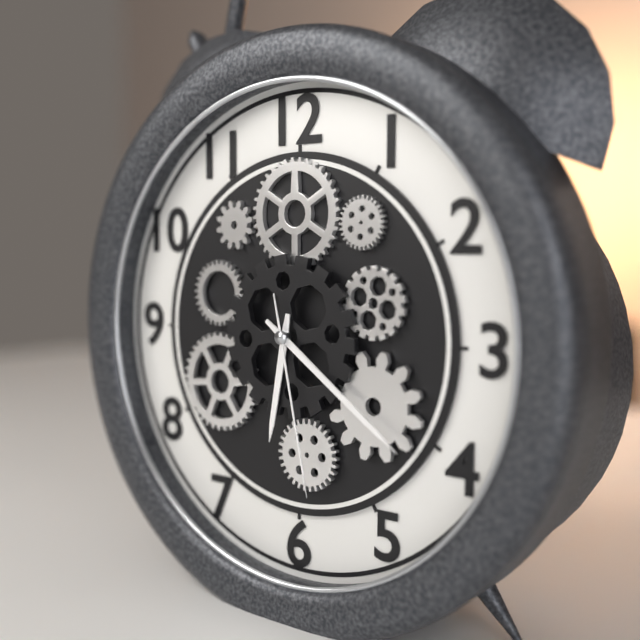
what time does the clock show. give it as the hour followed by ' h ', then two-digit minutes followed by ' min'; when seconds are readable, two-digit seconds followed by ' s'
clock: 6 h 21 min 28 s
